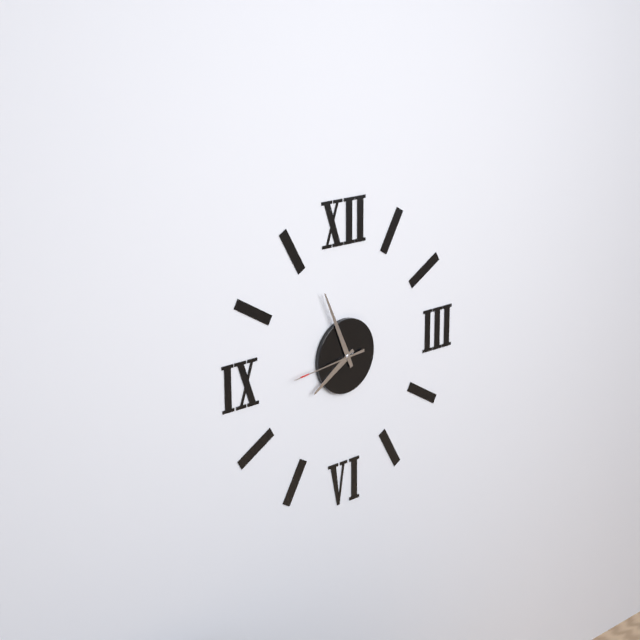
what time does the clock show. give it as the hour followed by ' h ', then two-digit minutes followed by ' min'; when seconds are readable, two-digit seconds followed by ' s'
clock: 7 h 56 min 44 s
